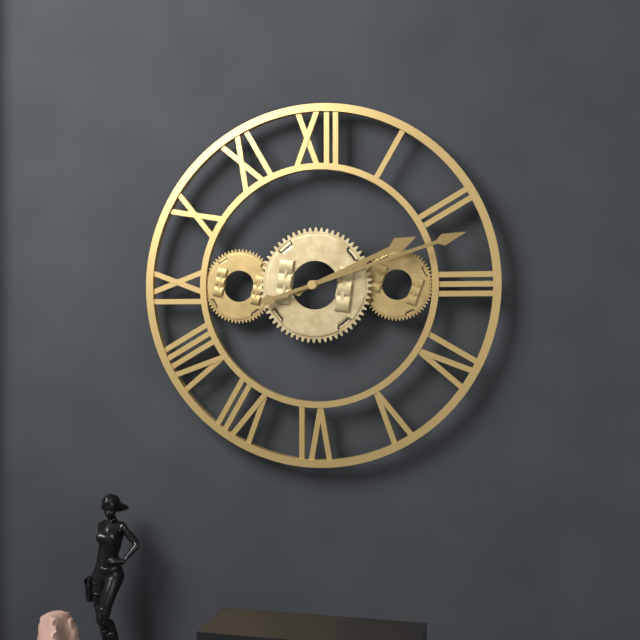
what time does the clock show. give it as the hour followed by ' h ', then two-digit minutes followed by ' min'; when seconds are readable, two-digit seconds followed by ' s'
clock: 2 h 12 min
